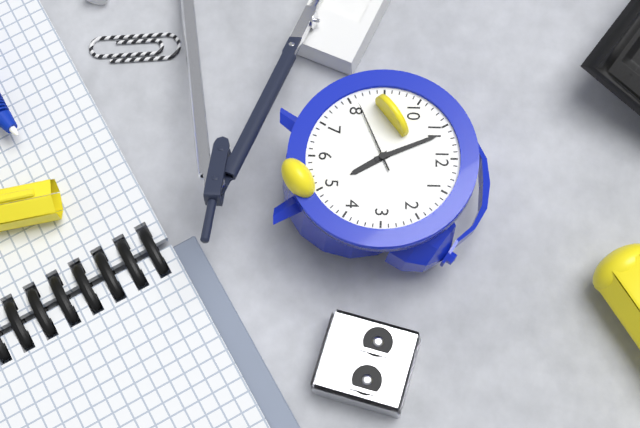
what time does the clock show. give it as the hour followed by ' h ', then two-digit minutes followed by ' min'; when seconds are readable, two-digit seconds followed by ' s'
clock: 4 h 56 min 41 s
